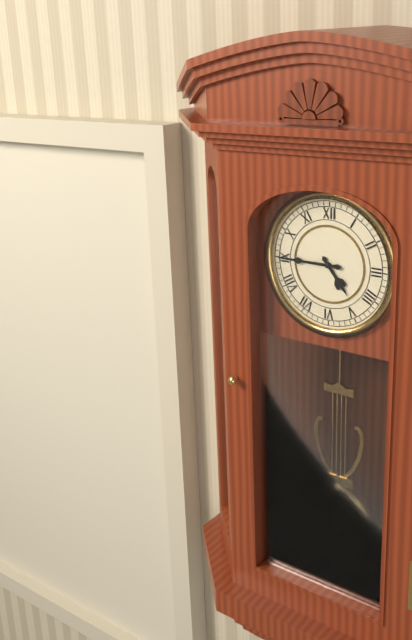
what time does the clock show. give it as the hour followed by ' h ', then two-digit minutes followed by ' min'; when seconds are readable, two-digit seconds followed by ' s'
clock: 4 h 45 min
